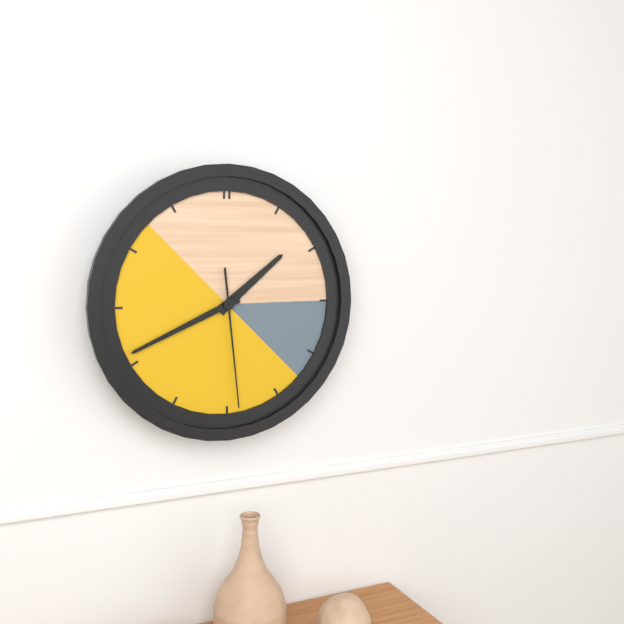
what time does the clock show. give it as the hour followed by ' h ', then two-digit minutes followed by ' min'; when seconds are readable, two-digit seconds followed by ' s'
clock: 1 h 41 min 29 s
